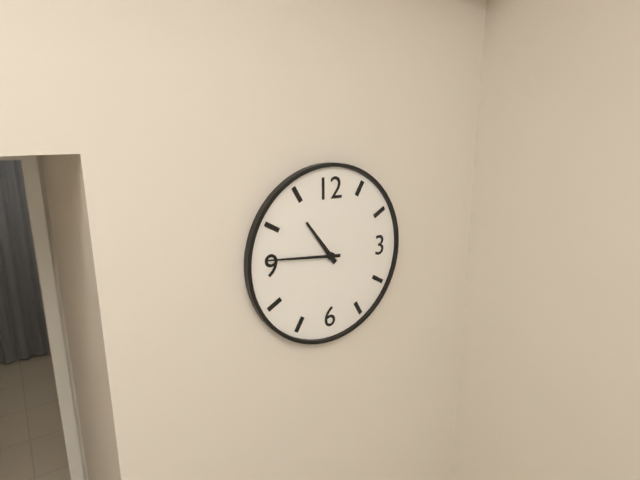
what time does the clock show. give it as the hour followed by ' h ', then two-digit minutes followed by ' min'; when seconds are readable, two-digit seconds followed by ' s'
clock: 10 h 46 min
